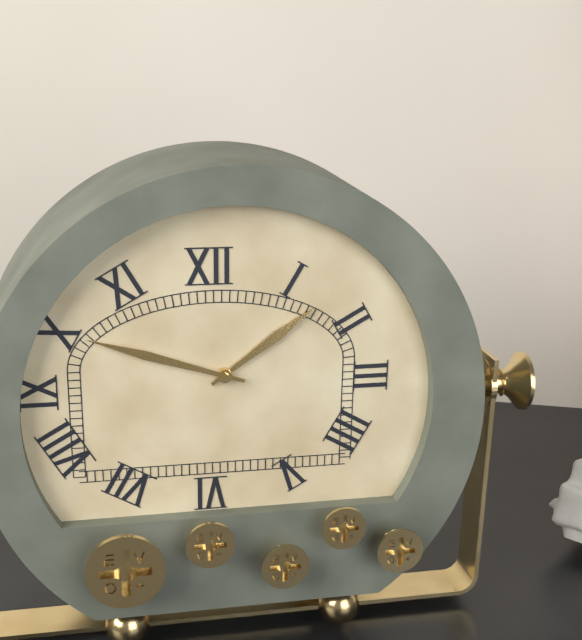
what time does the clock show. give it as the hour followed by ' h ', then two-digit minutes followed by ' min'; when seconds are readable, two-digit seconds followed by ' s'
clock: 1 h 48 min
